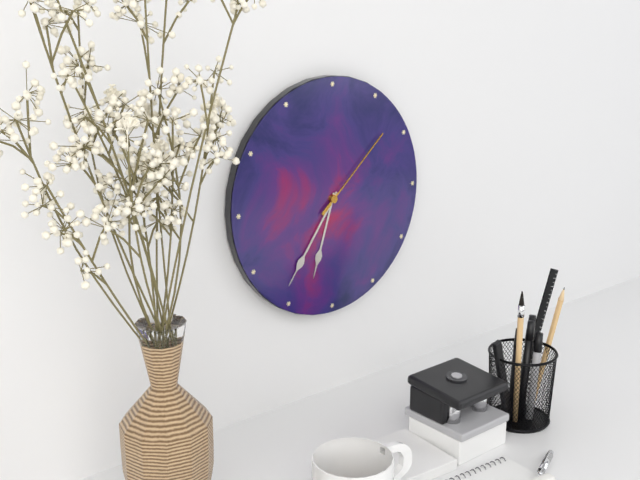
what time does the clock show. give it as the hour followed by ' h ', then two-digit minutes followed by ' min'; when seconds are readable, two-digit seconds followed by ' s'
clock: 6 h 36 min 08 s
